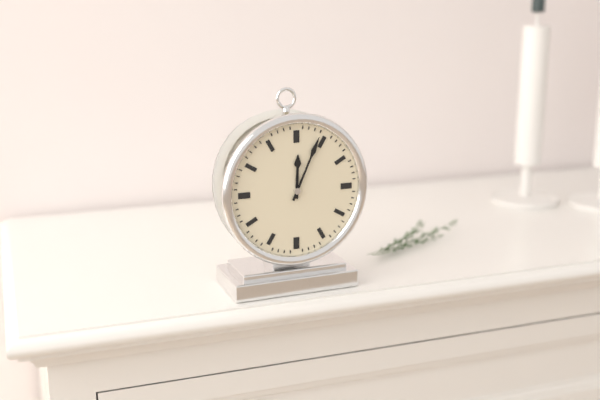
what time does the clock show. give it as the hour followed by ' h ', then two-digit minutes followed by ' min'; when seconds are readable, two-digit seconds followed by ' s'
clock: 12 h 04 min
